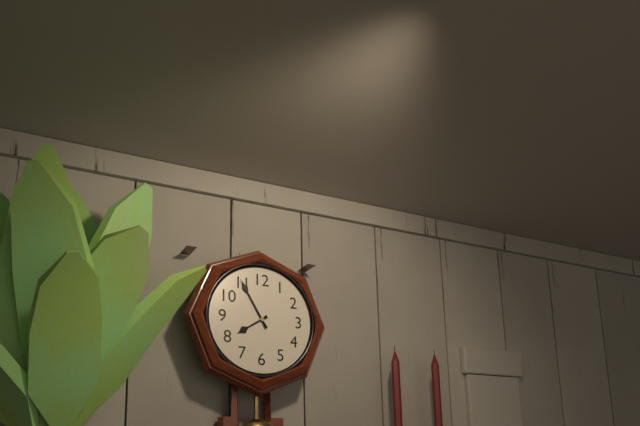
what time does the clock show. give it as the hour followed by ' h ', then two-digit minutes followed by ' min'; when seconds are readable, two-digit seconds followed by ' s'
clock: 7 h 55 min
